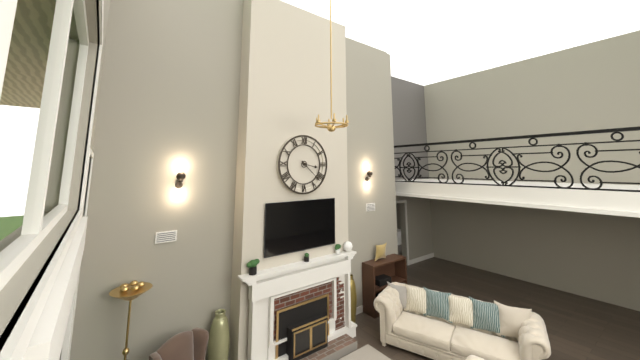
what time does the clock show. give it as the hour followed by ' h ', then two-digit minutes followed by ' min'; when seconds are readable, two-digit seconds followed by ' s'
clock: 3 h 22 min
